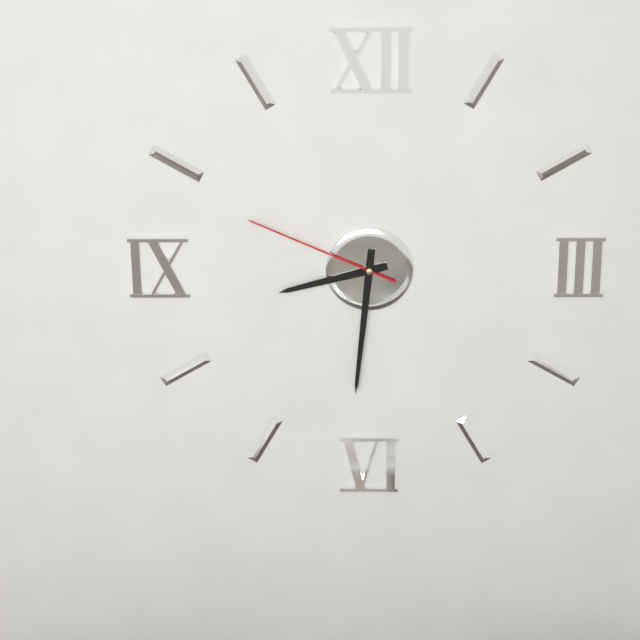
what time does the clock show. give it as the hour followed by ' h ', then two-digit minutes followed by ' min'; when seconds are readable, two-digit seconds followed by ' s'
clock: 8 h 31 min 49 s
